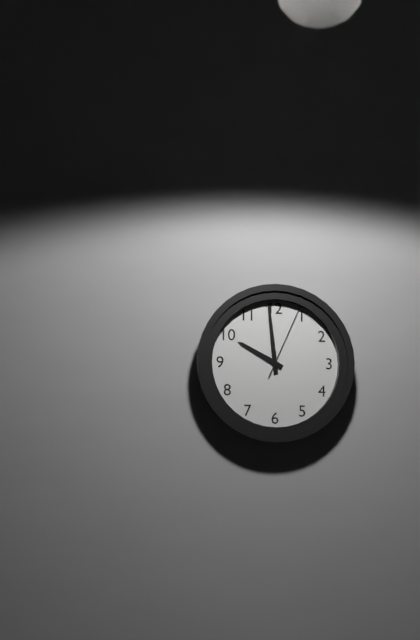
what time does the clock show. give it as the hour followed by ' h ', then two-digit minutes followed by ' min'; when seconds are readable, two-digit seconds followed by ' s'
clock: 9 h 59 min 04 s
